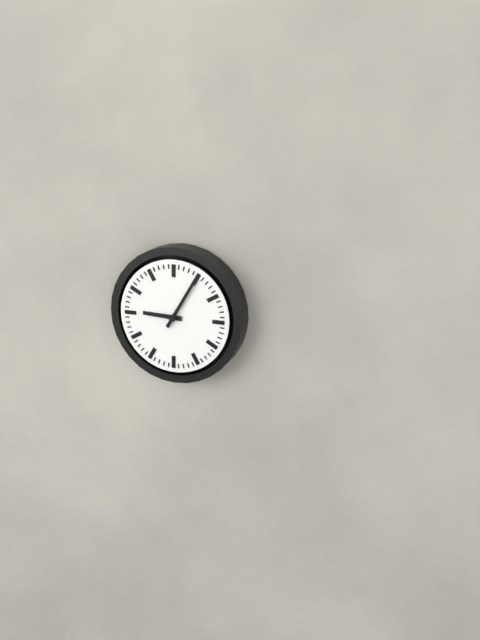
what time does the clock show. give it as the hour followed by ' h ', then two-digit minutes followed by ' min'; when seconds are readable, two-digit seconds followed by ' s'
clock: 9 h 05 min
